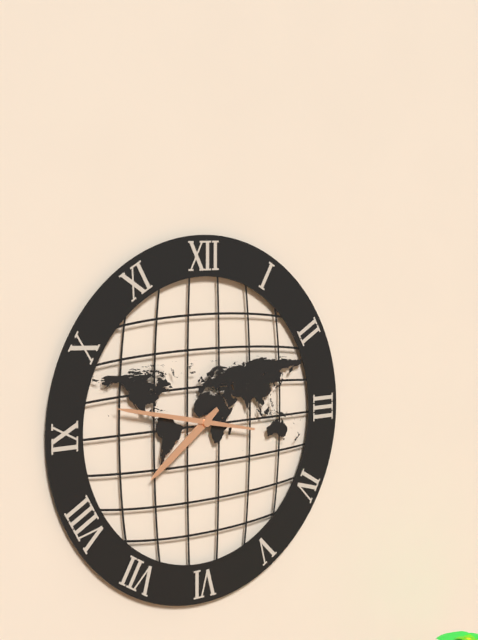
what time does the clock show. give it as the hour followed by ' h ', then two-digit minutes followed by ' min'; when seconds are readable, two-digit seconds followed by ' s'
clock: 7 h 47 min
